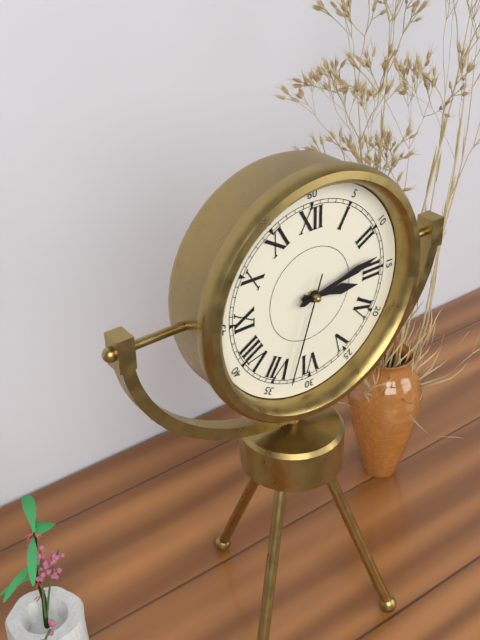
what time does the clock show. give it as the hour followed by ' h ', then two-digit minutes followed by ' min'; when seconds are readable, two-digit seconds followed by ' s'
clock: 3 h 13 min 33 s
